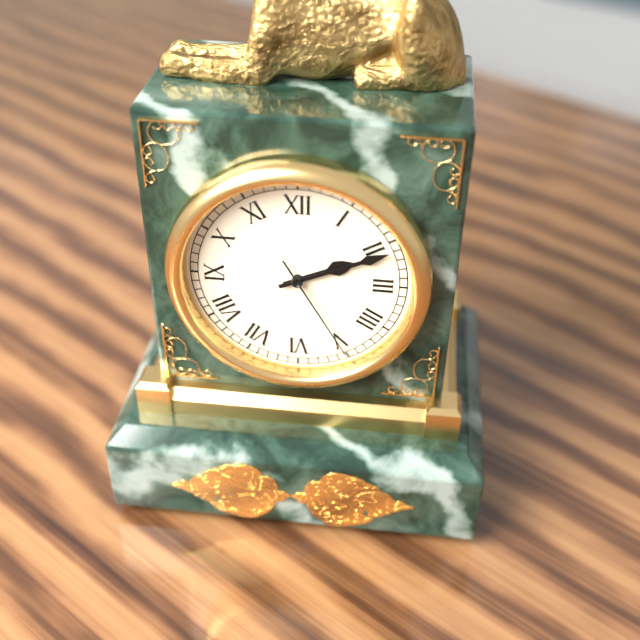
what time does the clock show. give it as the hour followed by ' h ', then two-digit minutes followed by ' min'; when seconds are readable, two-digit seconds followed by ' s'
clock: 2 h 11 min 25 s
